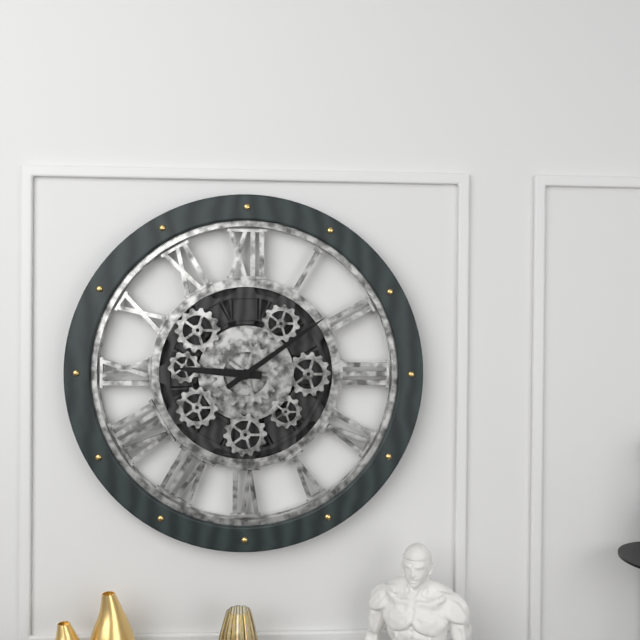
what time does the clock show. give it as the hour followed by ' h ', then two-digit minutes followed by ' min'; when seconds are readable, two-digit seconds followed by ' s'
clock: 9 h 09 min
